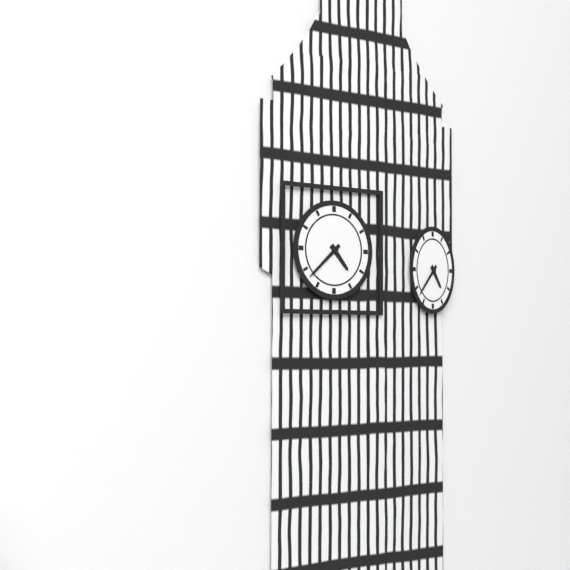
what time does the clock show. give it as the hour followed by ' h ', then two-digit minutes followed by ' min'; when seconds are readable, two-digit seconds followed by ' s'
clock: 4 h 38 min
